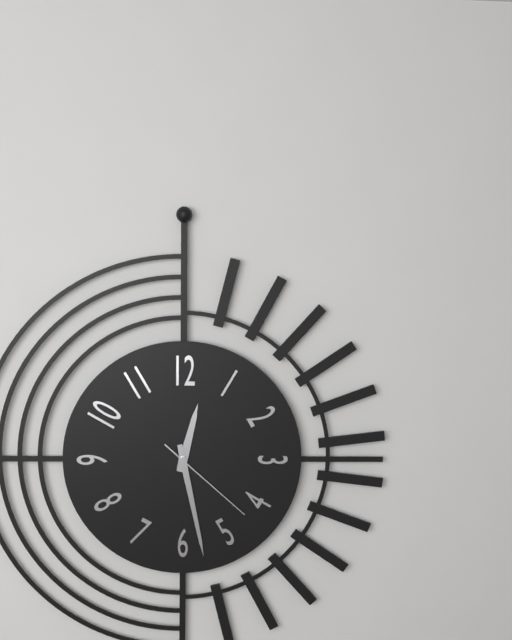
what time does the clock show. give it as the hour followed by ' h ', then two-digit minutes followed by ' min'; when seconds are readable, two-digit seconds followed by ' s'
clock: 12 h 28 min 22 s
